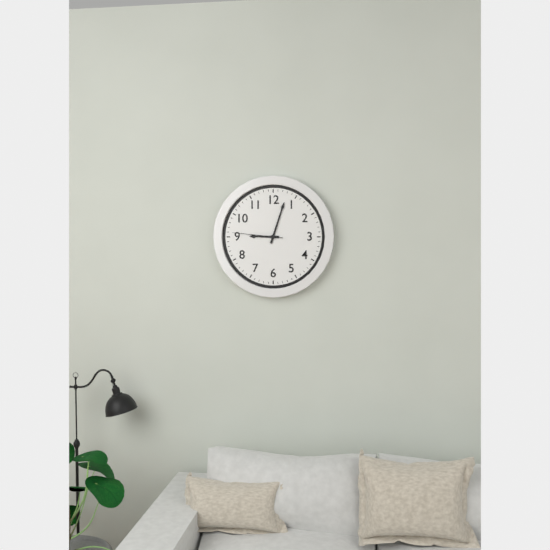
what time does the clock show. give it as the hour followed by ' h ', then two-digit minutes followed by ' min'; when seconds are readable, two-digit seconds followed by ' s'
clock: 9 h 03 min 46 s
